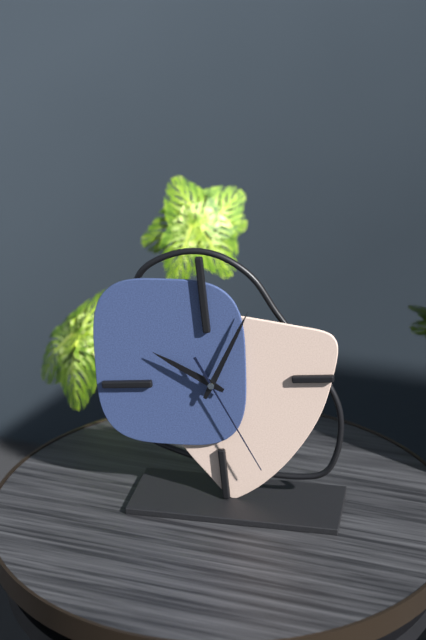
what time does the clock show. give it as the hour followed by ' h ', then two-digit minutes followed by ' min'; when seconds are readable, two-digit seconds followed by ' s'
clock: 10 h 05 min 26 s
